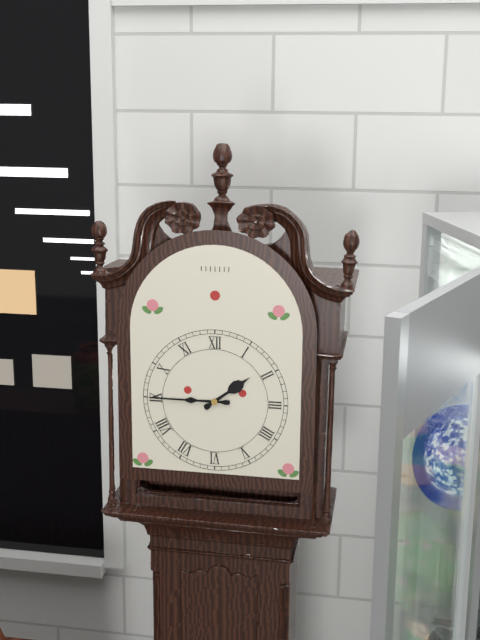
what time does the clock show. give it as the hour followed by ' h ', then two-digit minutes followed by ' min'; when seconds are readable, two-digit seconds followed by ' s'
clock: 1 h 45 min
